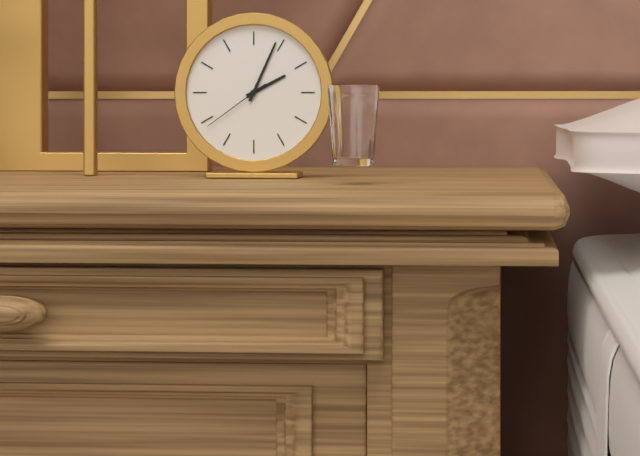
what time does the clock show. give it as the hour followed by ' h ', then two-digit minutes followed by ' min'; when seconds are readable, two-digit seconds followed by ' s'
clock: 2 h 04 min 39 s
